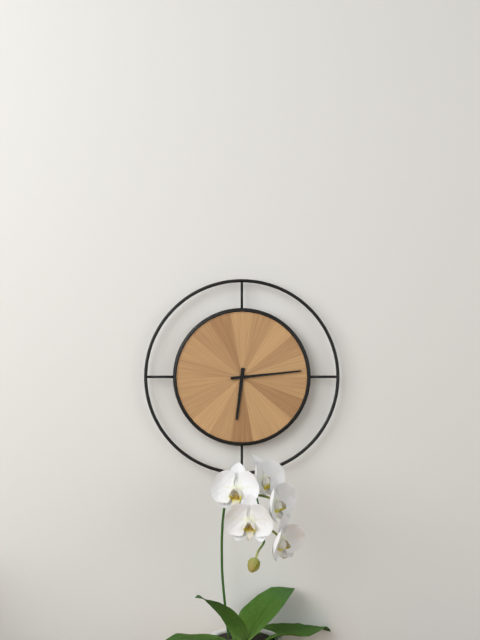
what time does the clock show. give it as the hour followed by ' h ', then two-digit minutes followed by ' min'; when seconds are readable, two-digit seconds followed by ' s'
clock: 6 h 14 min
